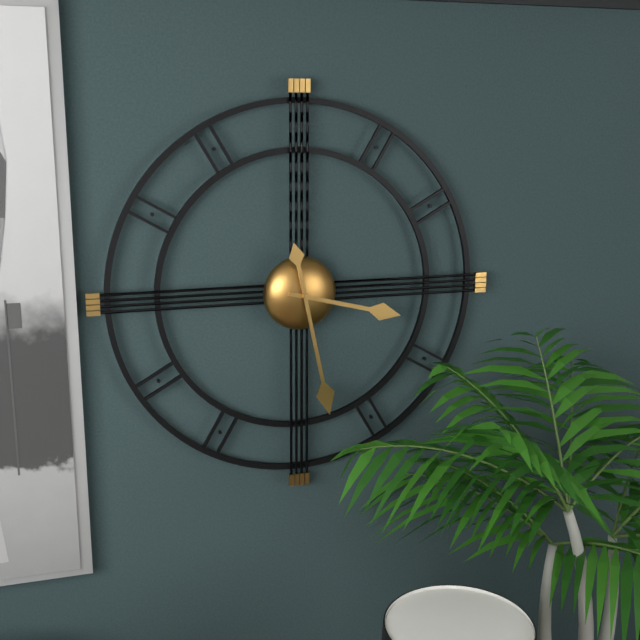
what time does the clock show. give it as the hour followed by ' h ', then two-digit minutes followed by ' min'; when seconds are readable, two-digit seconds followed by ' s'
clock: 3 h 28 min
